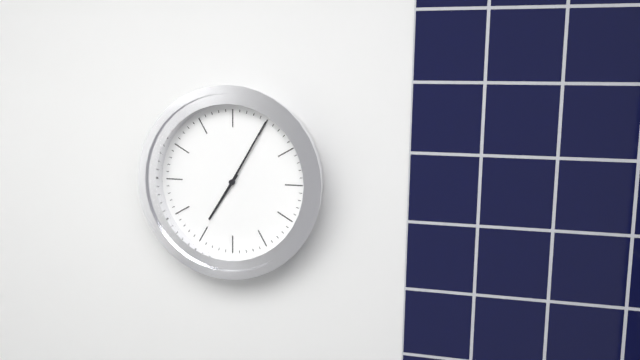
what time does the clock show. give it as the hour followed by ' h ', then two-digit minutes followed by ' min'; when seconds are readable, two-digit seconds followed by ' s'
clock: 7 h 05 min
